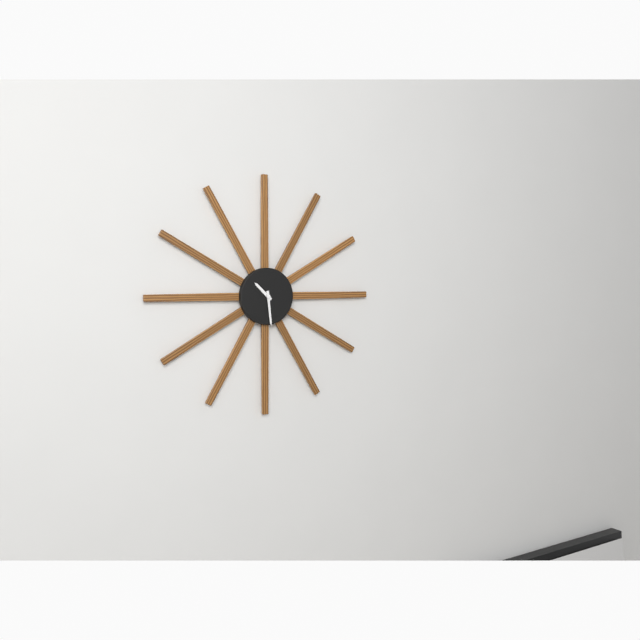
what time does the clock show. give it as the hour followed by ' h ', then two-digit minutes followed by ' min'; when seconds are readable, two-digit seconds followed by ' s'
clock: 10 h 29 min
